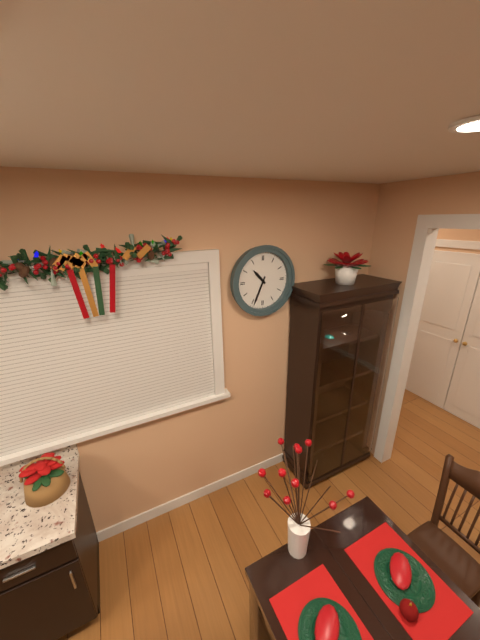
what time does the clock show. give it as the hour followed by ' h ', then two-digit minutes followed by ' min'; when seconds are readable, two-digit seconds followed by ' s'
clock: 10 h 34 min
